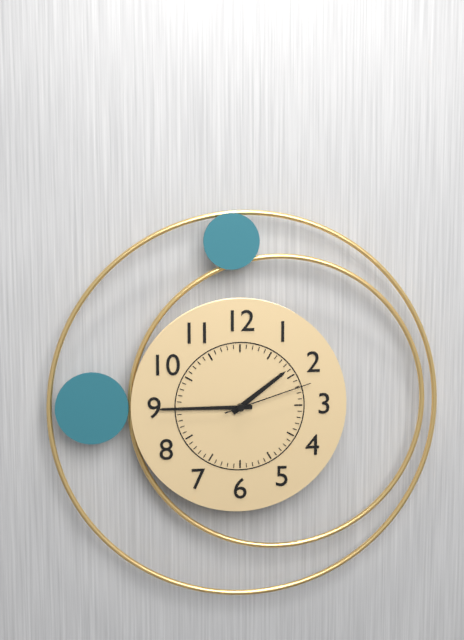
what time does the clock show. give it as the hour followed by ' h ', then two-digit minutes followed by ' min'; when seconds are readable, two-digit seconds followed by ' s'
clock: 1 h 45 min 12 s
